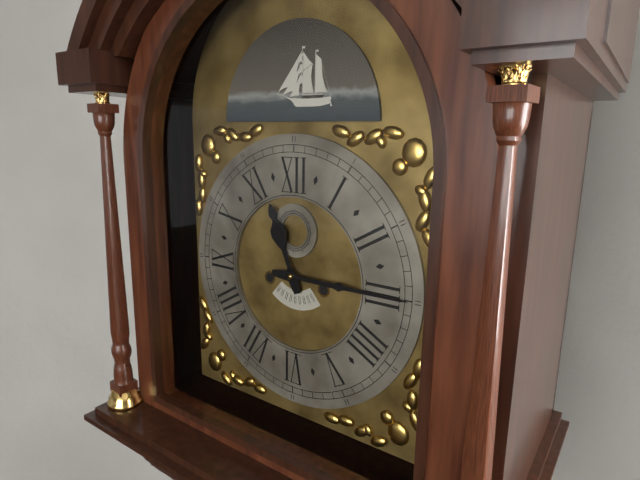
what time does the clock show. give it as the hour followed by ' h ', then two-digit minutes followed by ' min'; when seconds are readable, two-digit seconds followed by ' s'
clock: 11 h 15 min
